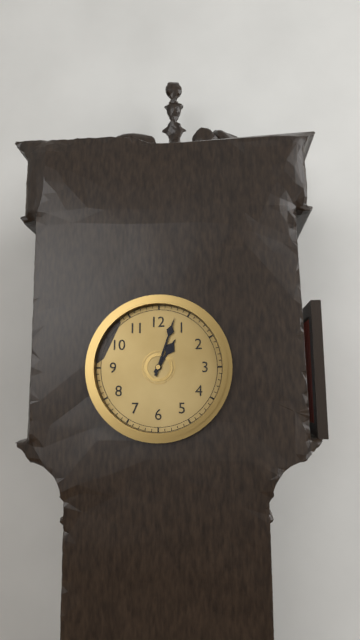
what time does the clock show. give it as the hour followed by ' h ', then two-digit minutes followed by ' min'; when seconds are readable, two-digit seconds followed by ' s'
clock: 1 h 03 min
